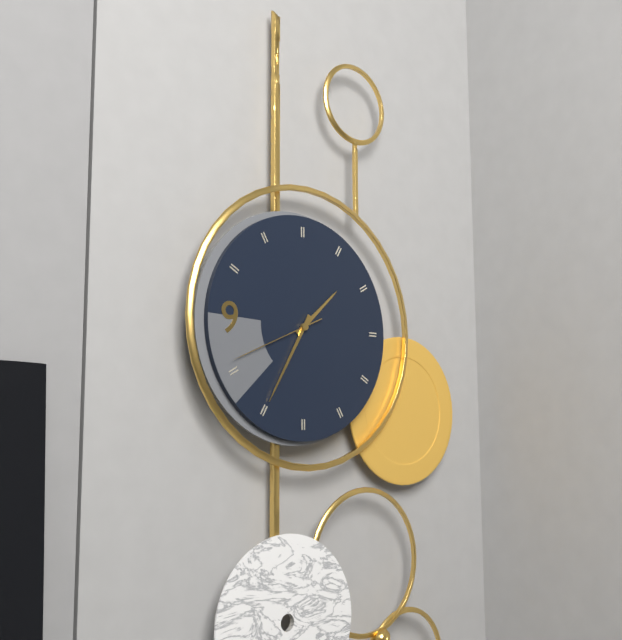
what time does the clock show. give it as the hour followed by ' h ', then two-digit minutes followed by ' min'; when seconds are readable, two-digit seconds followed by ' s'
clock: 1 h 35 min 41 s
